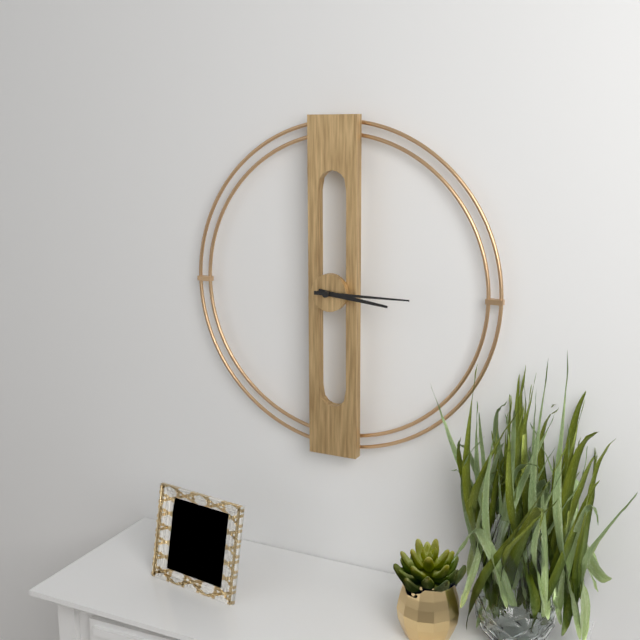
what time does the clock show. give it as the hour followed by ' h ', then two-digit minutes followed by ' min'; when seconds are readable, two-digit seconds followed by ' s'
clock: 3 h 15 min
